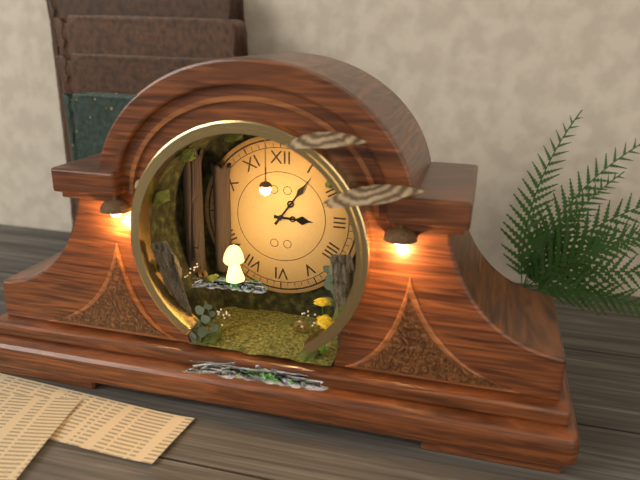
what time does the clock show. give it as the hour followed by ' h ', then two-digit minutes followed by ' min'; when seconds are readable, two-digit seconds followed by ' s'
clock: 3 h 06 min
